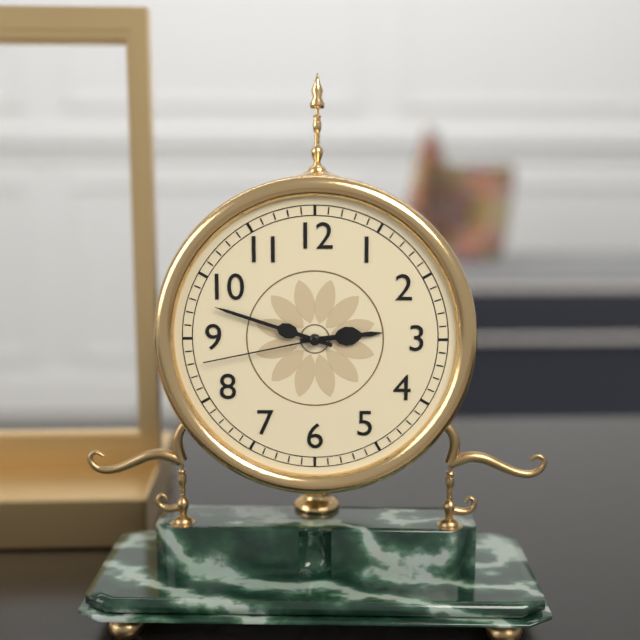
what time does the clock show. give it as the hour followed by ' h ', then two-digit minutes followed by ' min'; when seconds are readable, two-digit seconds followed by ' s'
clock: 2 h 48 min 43 s
